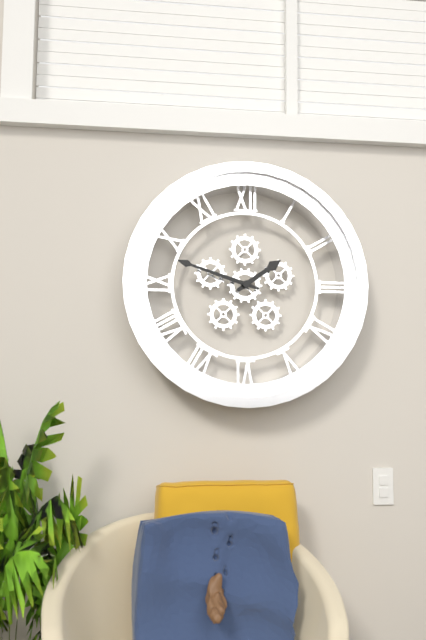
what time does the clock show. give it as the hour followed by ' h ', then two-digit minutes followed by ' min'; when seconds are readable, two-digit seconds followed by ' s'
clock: 1 h 48 min
